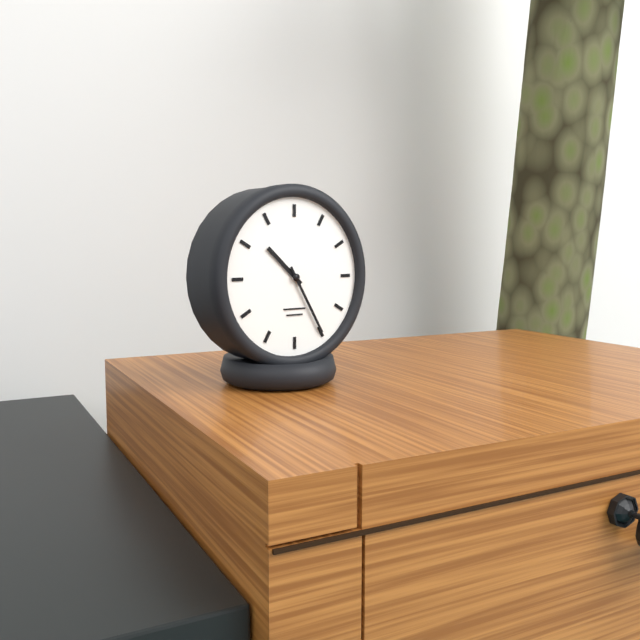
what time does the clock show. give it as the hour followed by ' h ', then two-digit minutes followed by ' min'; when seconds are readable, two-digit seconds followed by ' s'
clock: 10 h 25 min
